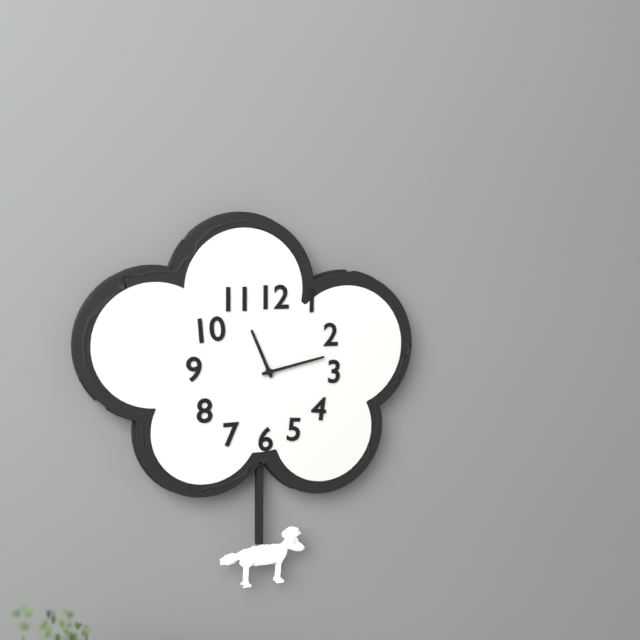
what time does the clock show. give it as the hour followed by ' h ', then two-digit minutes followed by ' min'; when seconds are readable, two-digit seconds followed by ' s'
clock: 11 h 13 min
